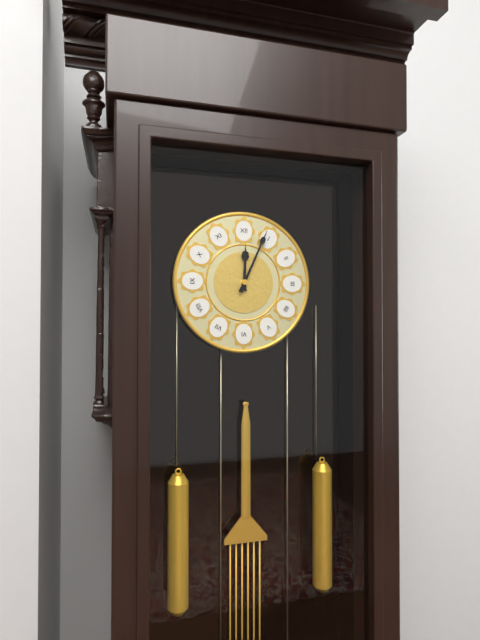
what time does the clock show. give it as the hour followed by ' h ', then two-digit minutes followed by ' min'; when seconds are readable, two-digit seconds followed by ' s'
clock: 12 h 04 min
